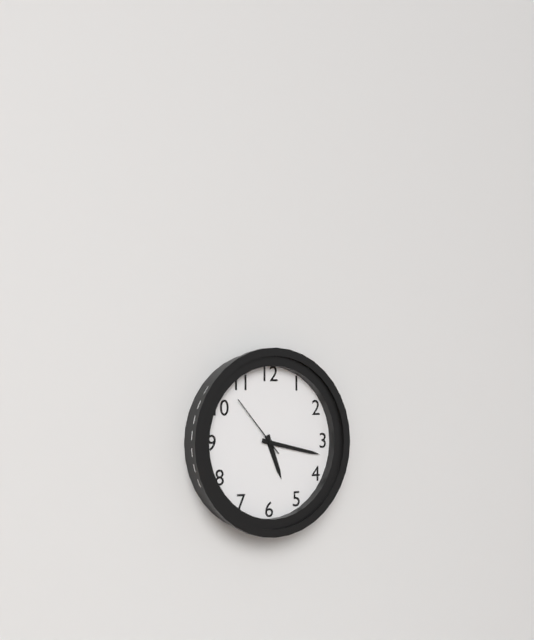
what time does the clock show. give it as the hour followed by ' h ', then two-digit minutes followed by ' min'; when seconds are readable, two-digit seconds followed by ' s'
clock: 5 h 17 min 53 s
